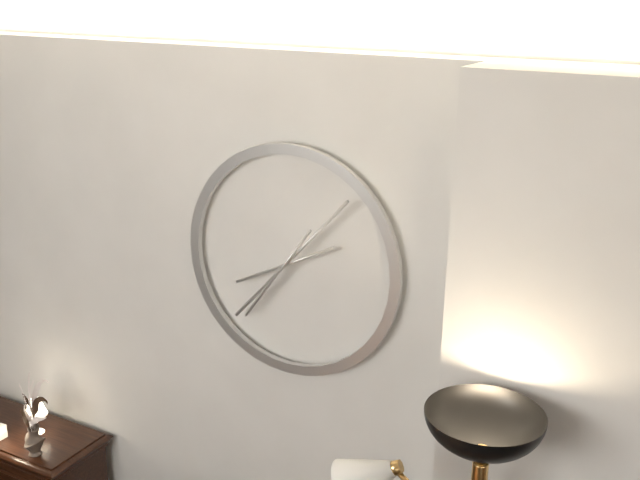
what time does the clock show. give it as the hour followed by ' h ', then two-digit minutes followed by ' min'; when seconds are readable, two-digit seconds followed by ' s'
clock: 8 h 07 min 36 s
